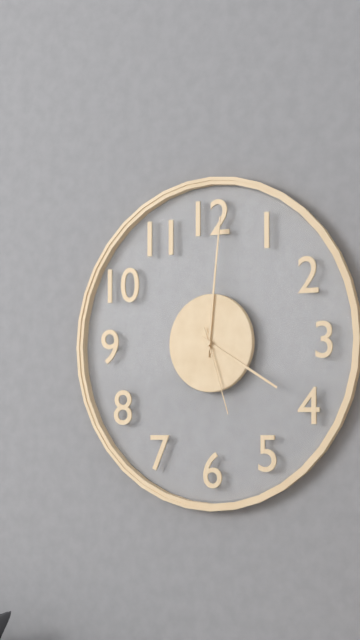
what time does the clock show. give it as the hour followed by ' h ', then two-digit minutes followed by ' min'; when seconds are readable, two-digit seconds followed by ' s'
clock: 4 h 01 min 27 s
